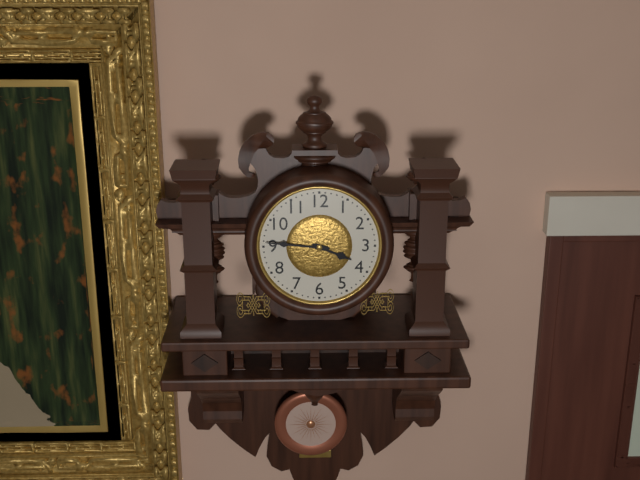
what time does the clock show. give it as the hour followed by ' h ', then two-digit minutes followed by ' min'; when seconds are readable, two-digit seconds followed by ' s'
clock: 3 h 46 min
